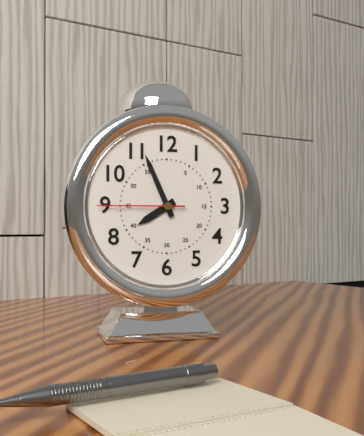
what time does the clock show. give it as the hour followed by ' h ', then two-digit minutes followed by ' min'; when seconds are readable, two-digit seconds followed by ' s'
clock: 7 h 56 min 45 s
